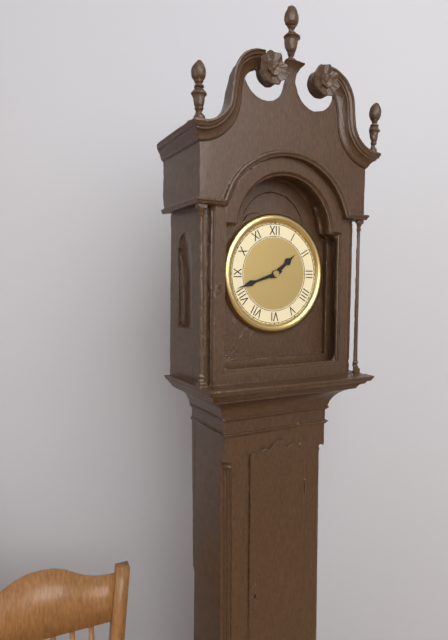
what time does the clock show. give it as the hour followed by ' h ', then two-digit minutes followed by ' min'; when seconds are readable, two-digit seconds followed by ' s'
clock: 1 h 42 min
